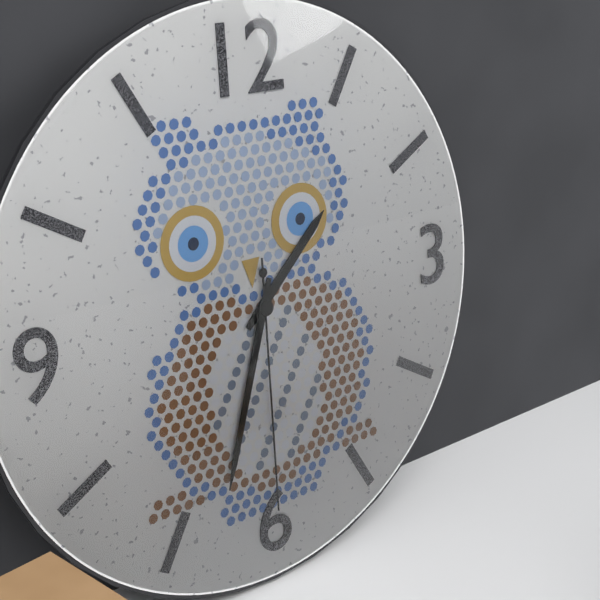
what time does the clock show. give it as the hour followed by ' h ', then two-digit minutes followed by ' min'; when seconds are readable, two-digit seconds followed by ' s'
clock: 1 h 33 min 30 s
